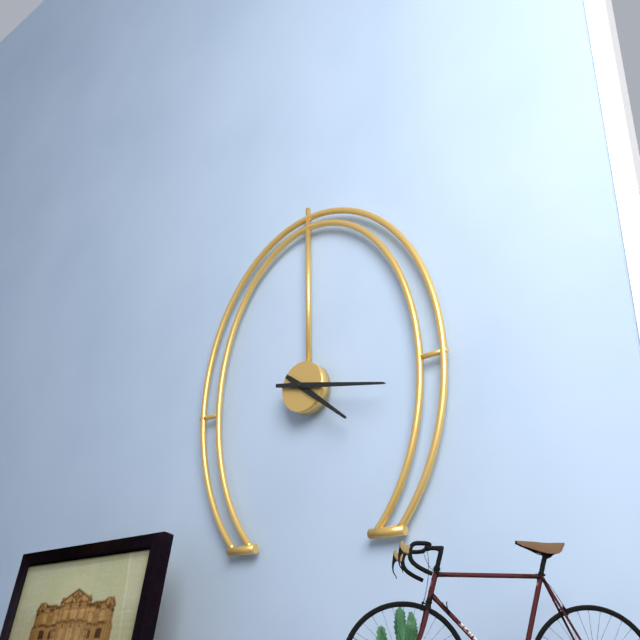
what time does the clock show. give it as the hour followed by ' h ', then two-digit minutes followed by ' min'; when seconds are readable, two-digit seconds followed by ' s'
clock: 4 h 17 min
